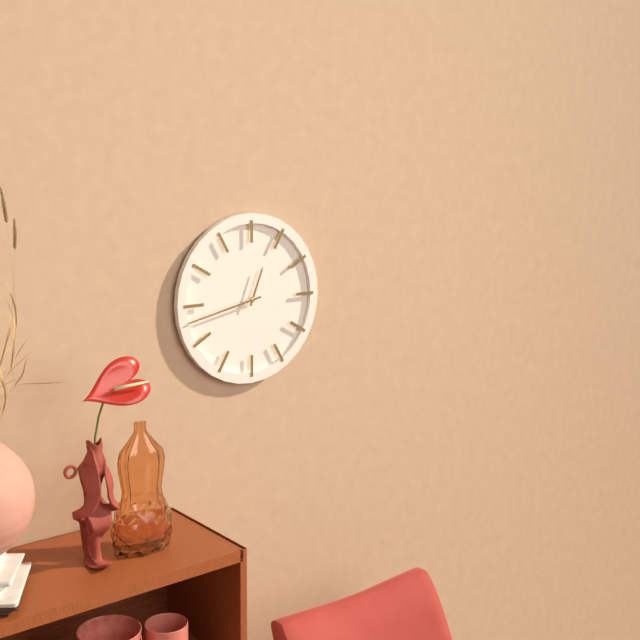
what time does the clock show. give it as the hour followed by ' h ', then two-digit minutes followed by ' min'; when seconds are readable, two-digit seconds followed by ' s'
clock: 12 h 43 min
